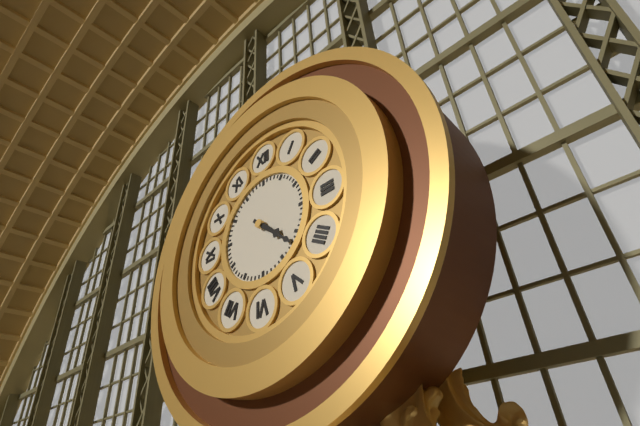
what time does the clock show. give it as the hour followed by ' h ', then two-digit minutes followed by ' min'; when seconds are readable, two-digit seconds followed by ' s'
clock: 4 h 22 min
